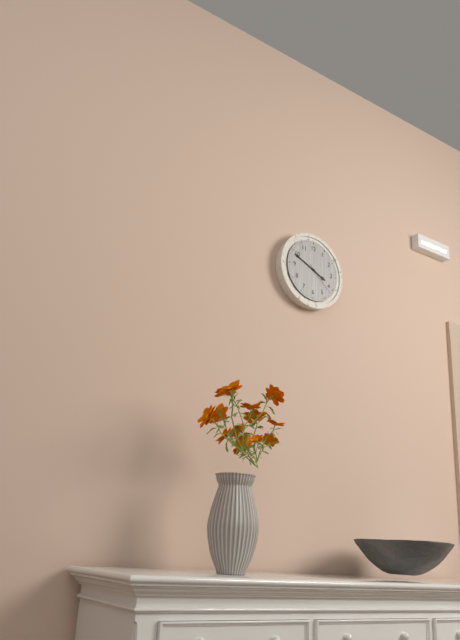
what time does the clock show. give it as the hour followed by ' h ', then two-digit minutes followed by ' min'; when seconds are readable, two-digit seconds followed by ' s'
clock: 3 h 49 min
